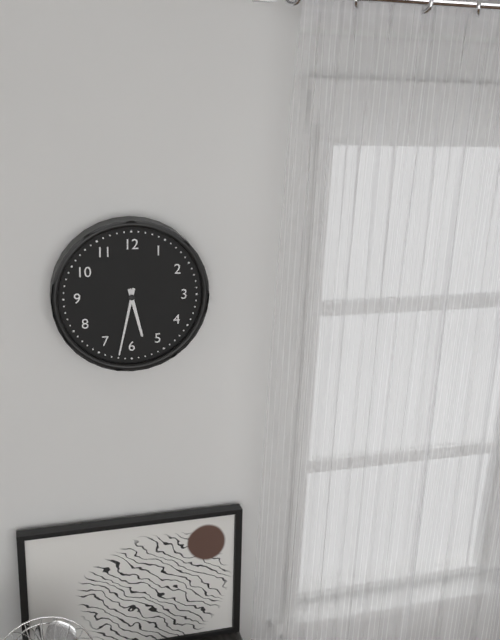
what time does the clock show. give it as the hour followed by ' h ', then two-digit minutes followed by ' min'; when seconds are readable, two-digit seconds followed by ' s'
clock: 5 h 32 min
